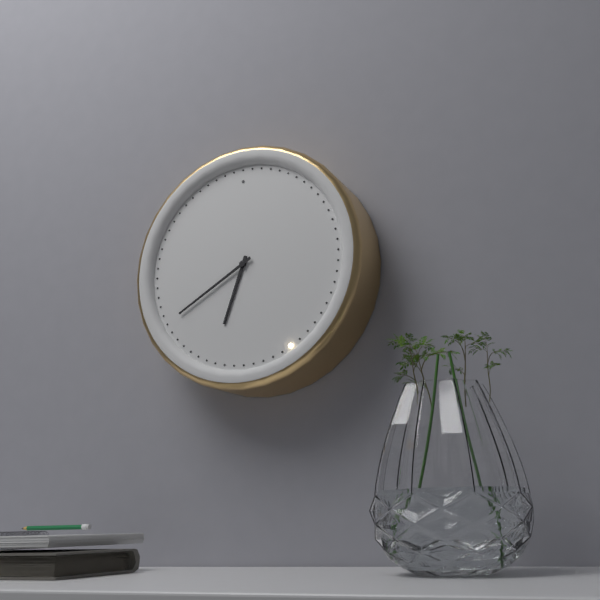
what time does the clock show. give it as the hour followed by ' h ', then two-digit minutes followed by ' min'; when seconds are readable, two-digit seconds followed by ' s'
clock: 6 h 40 min
